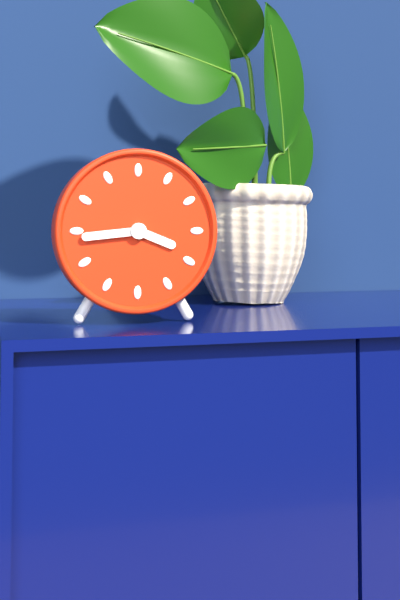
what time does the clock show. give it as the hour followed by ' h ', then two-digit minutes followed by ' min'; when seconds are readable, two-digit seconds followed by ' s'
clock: 3 h 44 min
